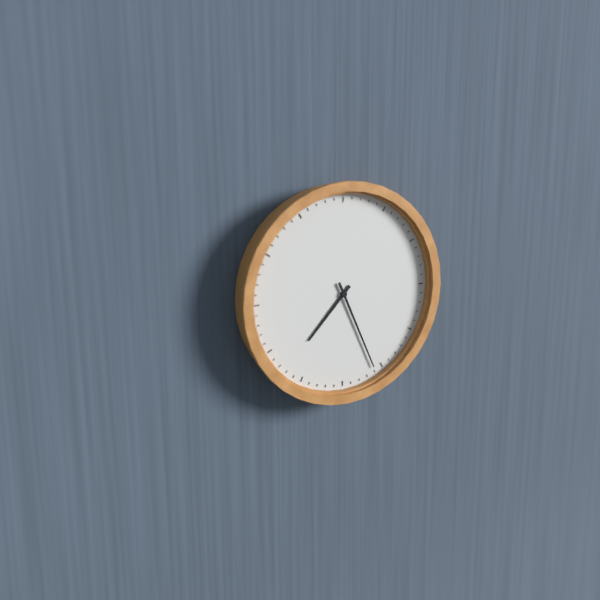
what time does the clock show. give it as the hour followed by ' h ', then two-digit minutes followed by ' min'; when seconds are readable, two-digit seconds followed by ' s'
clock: 7 h 26 min
